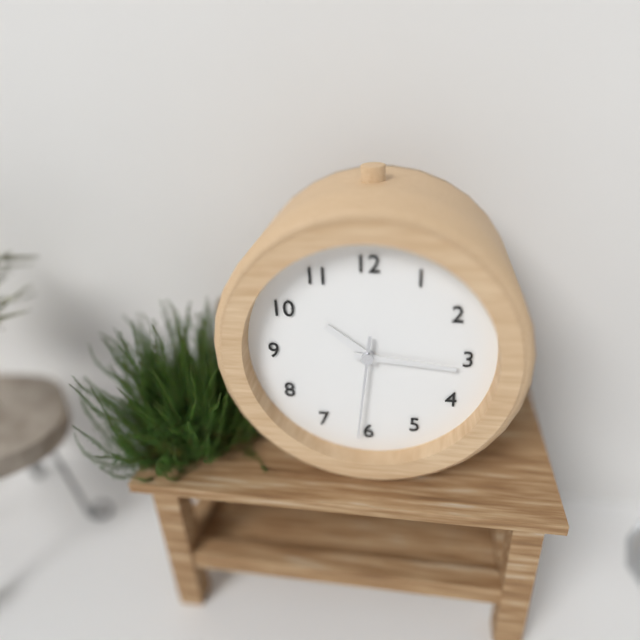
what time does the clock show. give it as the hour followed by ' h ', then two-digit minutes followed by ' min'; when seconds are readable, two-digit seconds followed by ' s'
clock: 10 h 16 min 31 s
